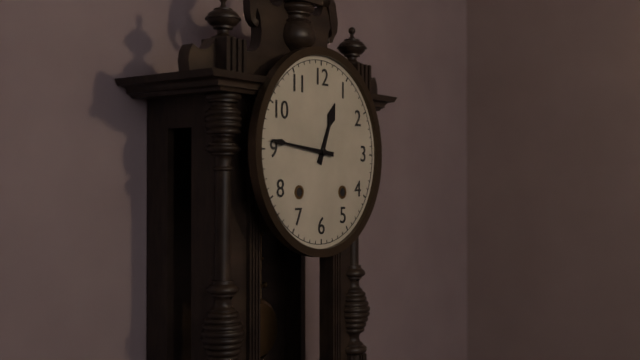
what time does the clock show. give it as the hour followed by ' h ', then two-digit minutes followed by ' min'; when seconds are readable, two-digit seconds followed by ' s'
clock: 12 h 46 min
